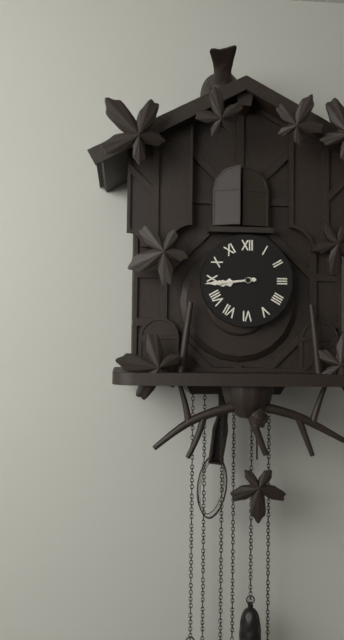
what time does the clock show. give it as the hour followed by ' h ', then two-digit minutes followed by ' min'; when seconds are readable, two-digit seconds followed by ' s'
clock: 8 h 44 min
